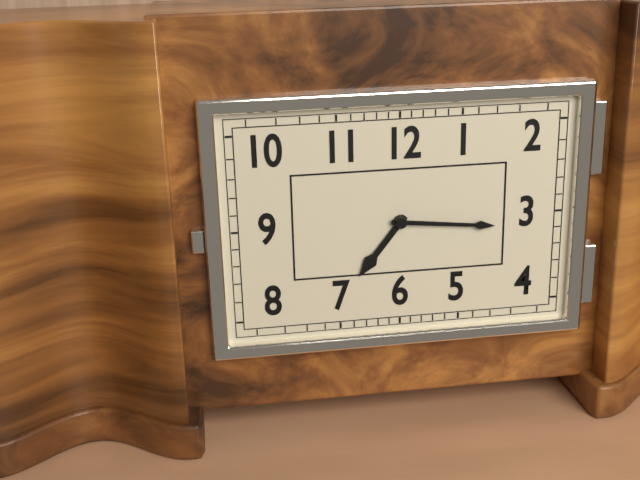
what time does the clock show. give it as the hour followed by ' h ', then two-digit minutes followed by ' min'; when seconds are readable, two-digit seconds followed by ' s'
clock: 7 h 16 min
